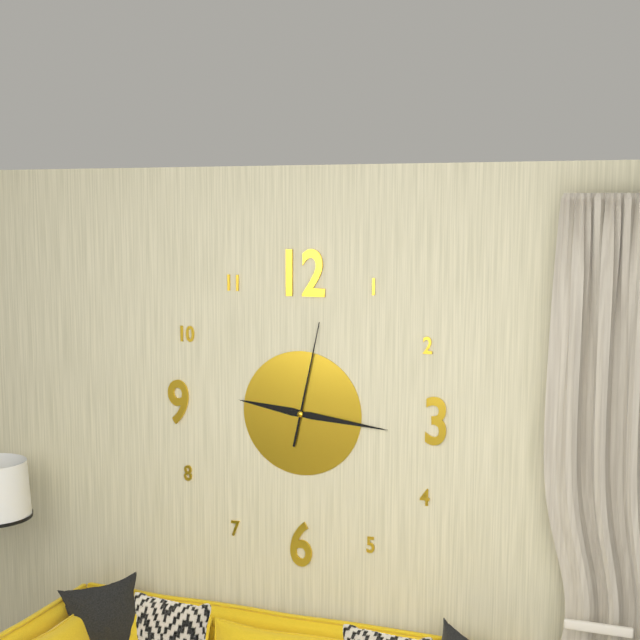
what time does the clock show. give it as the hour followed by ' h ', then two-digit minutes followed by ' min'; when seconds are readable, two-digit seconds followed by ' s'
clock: 9 h 16 min 02 s
